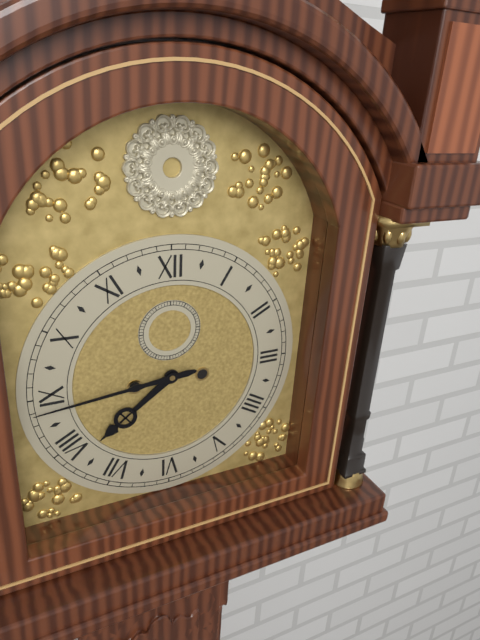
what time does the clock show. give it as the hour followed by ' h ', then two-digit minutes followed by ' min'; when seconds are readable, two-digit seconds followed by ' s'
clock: 7 h 44 min
